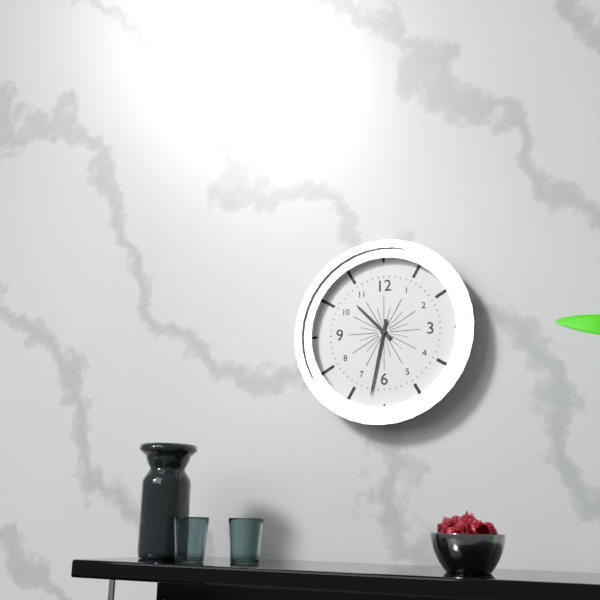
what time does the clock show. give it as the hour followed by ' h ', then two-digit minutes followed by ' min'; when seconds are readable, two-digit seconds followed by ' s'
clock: 10 h 32 min
